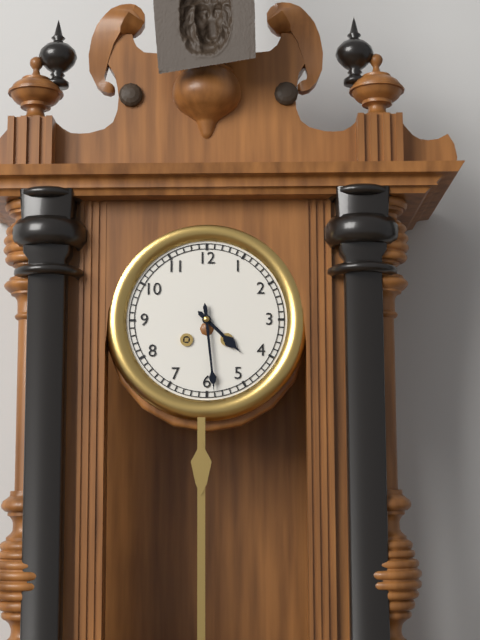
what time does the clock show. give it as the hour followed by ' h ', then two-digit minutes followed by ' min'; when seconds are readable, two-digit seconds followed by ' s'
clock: 4 h 29 min
